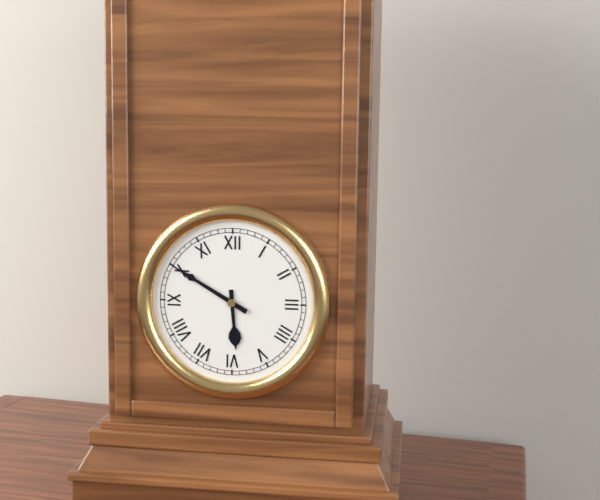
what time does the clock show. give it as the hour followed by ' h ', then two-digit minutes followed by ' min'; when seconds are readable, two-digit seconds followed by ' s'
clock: 5 h 50 min
